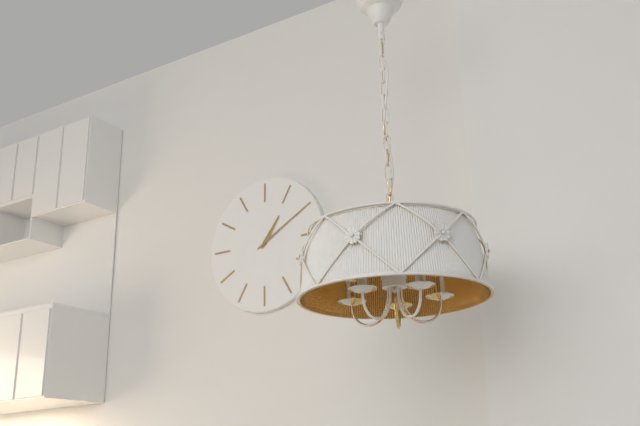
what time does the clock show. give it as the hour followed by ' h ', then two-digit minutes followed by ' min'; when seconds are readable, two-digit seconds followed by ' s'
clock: 1 h 10 min
